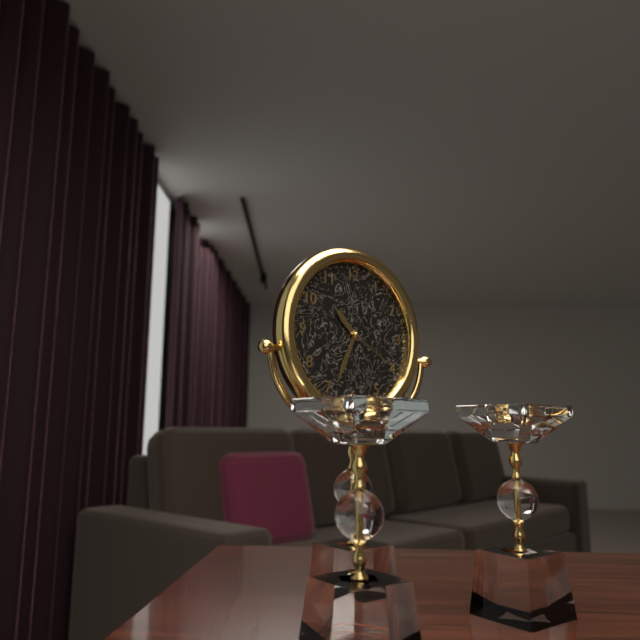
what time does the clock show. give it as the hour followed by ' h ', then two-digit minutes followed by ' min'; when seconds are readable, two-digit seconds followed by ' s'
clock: 10 h 34 min 20 s
